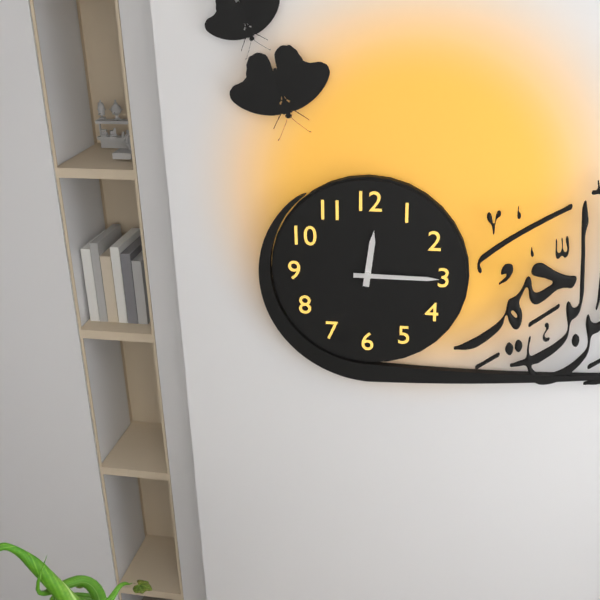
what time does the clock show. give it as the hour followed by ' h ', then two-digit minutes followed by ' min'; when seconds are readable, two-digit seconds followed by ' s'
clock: 12 h 15 min
